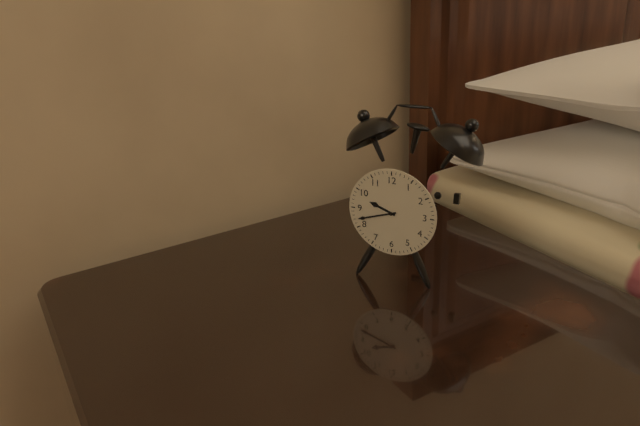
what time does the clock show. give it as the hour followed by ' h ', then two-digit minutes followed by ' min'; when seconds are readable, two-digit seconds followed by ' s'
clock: 9 h 42 min
